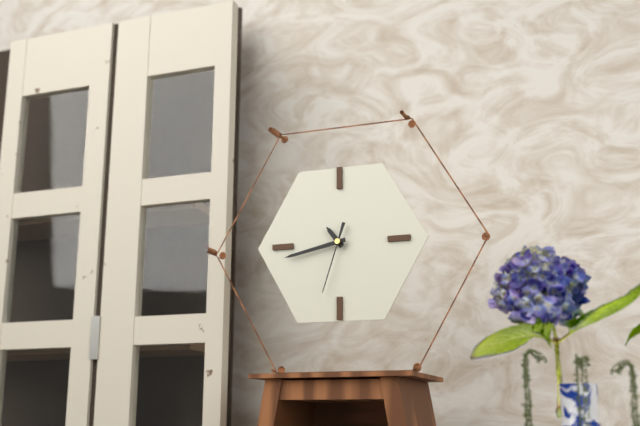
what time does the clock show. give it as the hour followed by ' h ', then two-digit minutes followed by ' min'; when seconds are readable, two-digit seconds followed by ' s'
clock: 10 h 43 min 33 s
